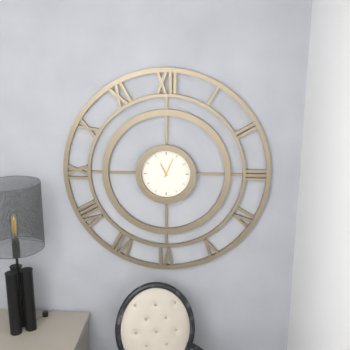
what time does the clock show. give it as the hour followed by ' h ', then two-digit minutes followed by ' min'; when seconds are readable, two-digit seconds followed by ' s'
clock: 11 h 04 min
